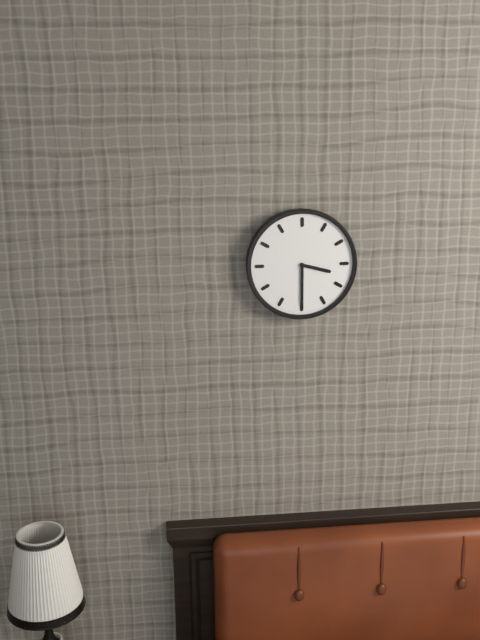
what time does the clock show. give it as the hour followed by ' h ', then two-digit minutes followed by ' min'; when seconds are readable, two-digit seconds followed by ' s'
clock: 3 h 30 min
